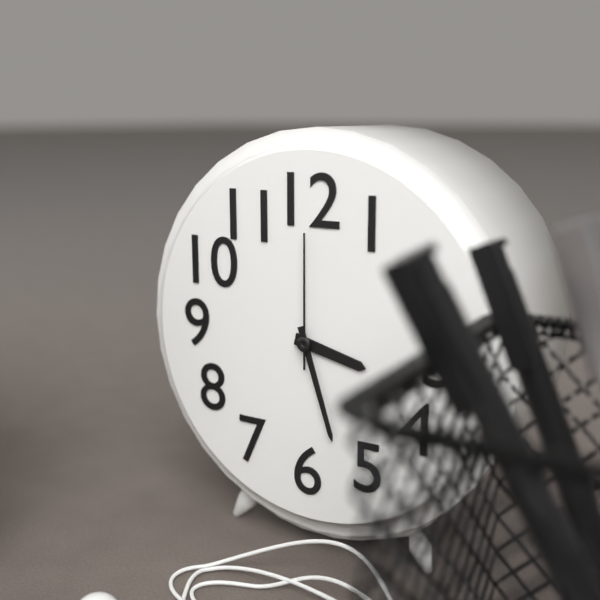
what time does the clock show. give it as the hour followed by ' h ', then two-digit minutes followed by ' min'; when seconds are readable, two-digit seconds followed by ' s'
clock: 3 h 27 min 00 s
